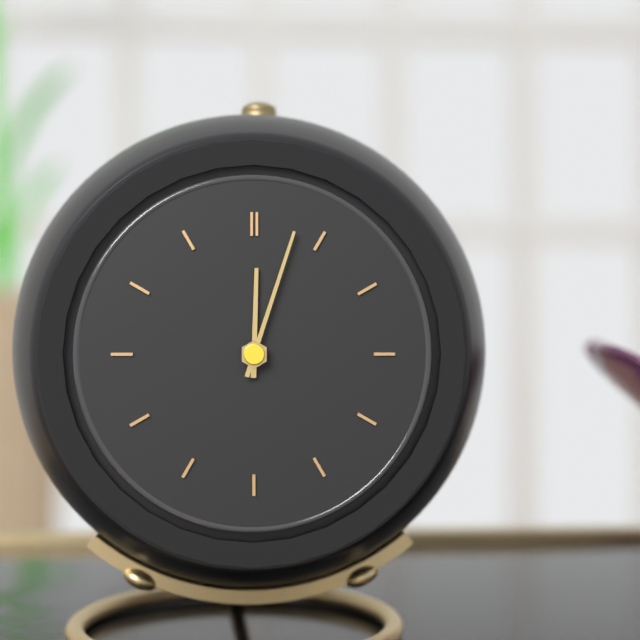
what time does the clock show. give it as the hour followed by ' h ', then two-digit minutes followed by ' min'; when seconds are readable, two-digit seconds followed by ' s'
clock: 12 h 03 min
